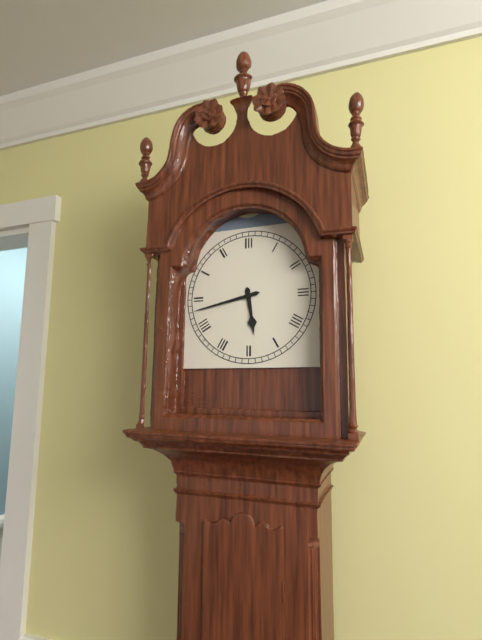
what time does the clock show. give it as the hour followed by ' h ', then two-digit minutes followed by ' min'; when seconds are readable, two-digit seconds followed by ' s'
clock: 5 h 43 min
